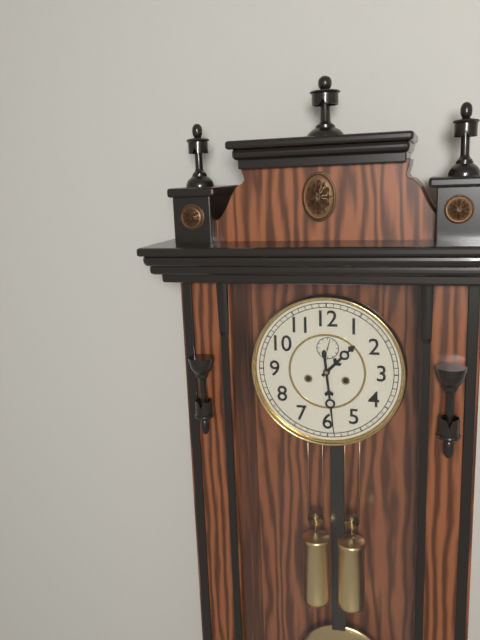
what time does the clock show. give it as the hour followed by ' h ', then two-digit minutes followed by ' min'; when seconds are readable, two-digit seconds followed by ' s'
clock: 1 h 29 min
